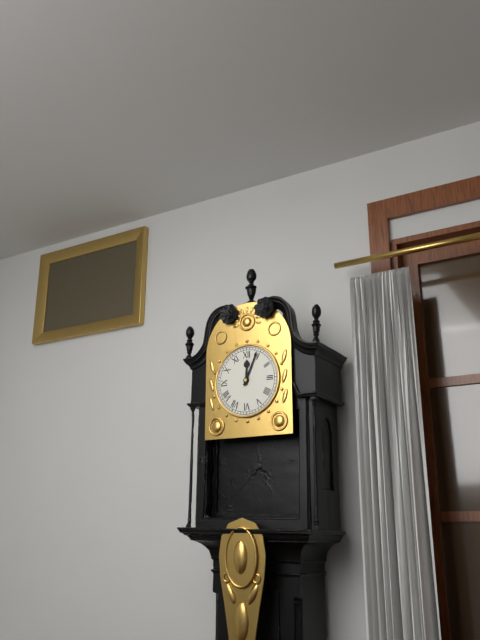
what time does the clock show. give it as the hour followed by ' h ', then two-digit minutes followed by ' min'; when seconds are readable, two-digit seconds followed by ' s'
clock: 12 h 04 min
